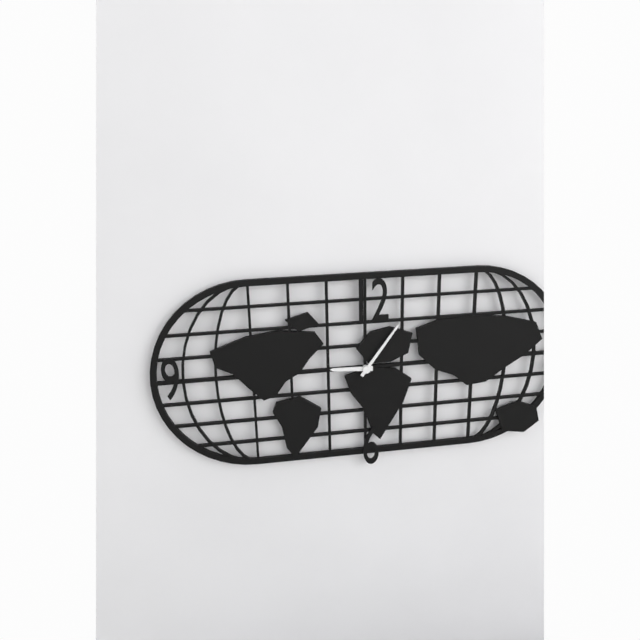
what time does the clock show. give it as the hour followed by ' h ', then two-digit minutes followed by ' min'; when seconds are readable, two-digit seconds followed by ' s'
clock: 9 h 06 min
